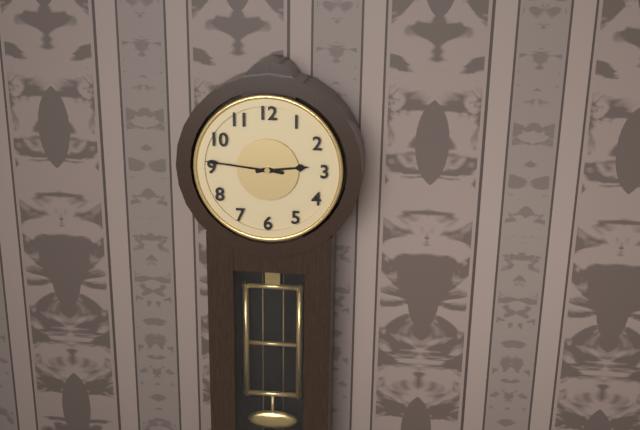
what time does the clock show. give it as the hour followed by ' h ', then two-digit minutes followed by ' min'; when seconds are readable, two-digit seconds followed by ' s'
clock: 2 h 46 min
